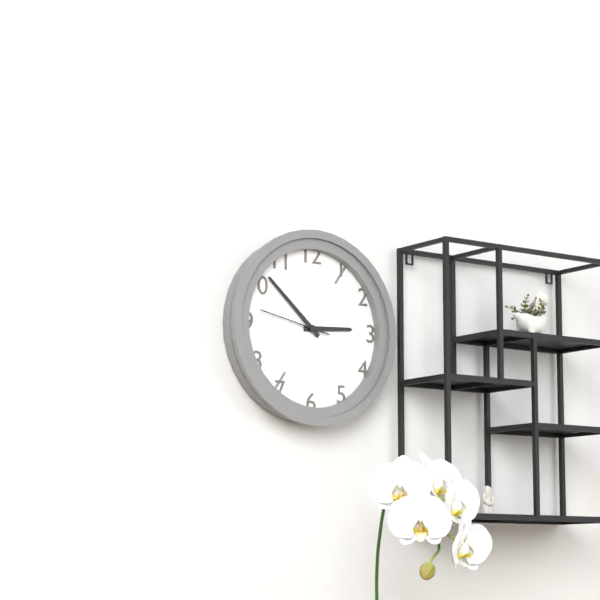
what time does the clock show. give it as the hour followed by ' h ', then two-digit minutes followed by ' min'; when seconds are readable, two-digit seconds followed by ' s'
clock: 2 h 52 min 47 s
